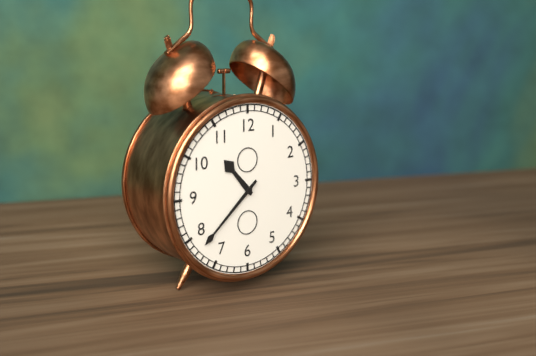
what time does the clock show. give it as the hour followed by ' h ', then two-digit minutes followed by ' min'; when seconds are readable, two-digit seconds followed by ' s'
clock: 10 h 38 min
